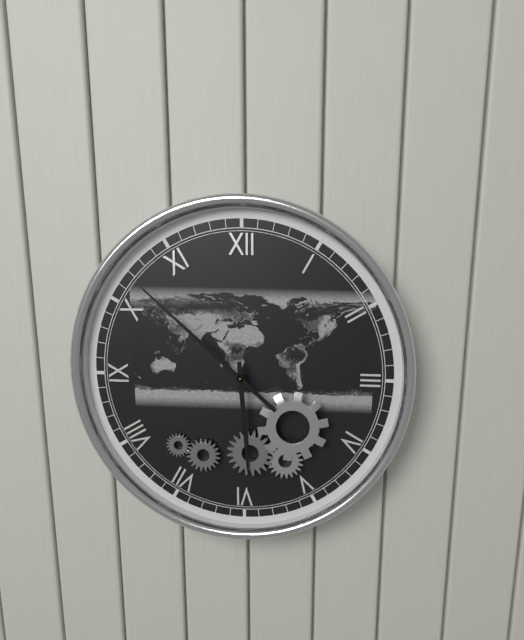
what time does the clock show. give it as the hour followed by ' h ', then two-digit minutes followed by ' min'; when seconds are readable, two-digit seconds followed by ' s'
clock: 5 h 52 min
